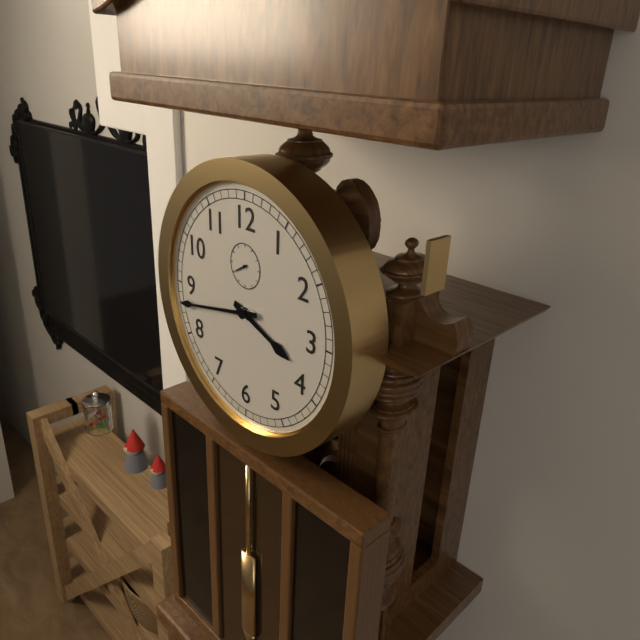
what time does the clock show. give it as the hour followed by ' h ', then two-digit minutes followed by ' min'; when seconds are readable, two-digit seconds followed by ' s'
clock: 3 h 43 min
